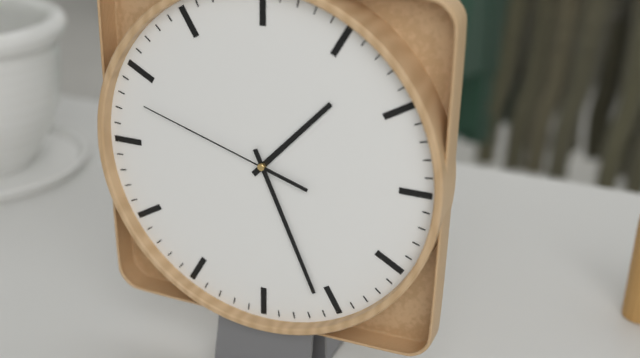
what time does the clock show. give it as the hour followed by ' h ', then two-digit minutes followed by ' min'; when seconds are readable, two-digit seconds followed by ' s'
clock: 1 h 26 min 48 s
